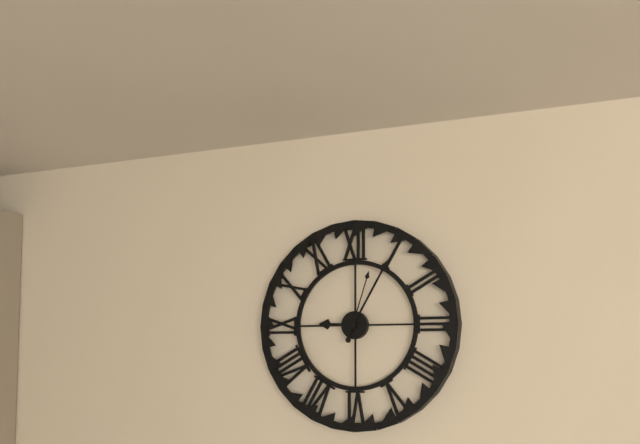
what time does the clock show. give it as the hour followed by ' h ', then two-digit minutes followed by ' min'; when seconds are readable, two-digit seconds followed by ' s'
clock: 9 h 05 min 03 s
